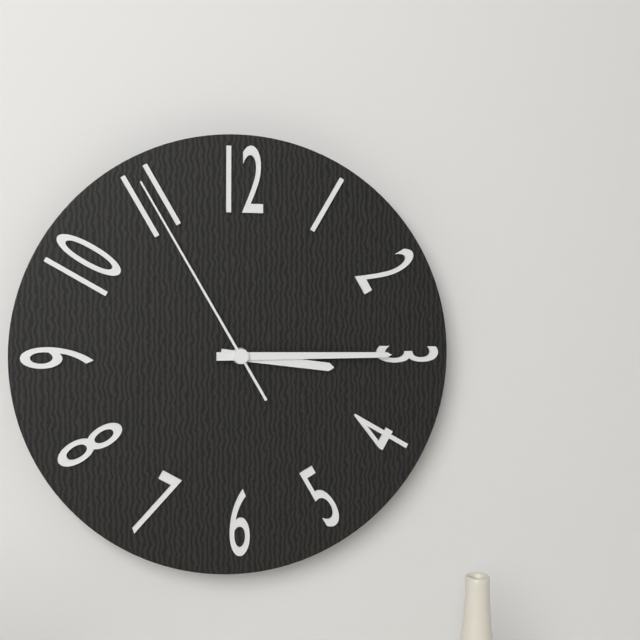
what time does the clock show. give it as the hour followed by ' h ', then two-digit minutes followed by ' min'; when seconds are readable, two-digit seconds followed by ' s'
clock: 3 h 15 min 55 s
